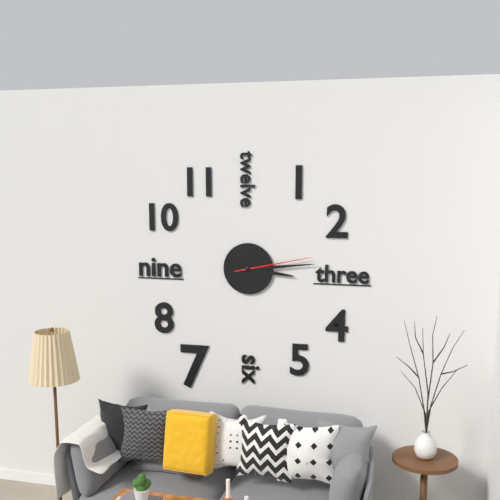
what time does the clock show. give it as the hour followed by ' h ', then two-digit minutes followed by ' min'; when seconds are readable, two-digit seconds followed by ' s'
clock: 3 h 14 min 13 s
